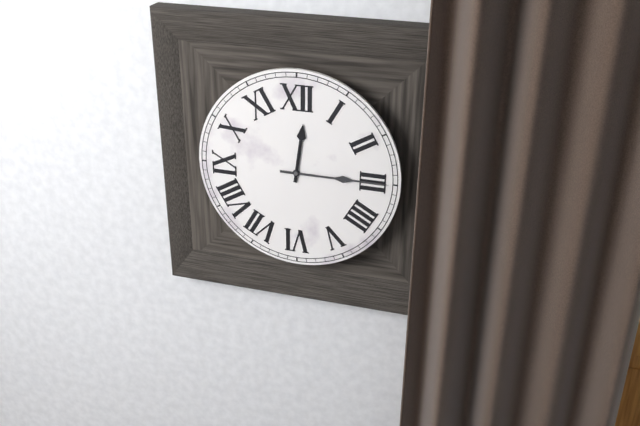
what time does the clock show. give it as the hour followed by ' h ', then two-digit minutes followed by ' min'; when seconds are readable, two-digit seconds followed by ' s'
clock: 12 h 15 min
